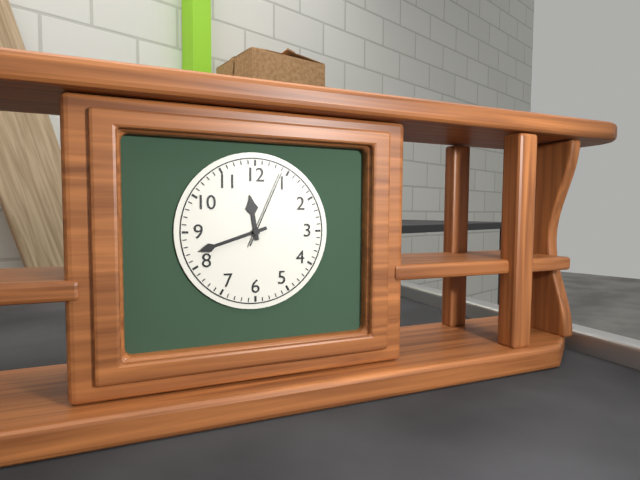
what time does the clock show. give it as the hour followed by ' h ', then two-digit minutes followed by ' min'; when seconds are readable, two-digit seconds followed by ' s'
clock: 11 h 42 min 04 s
